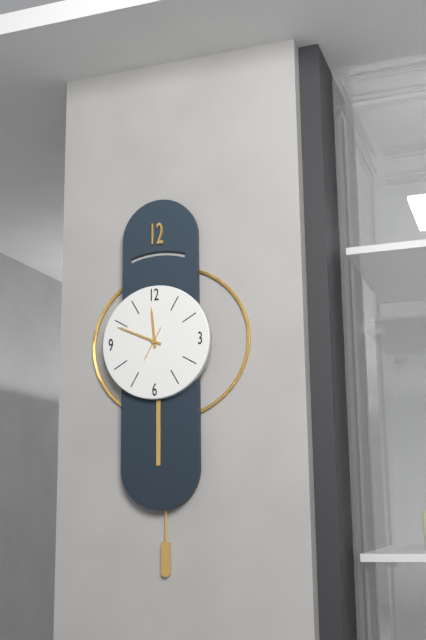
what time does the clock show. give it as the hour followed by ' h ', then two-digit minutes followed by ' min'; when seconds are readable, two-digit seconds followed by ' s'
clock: 11 h 49 min
